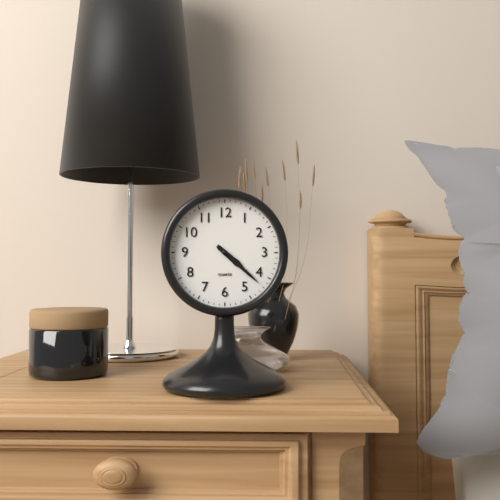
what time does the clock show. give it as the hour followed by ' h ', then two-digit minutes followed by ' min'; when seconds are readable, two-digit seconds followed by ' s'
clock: 4 h 22 min
